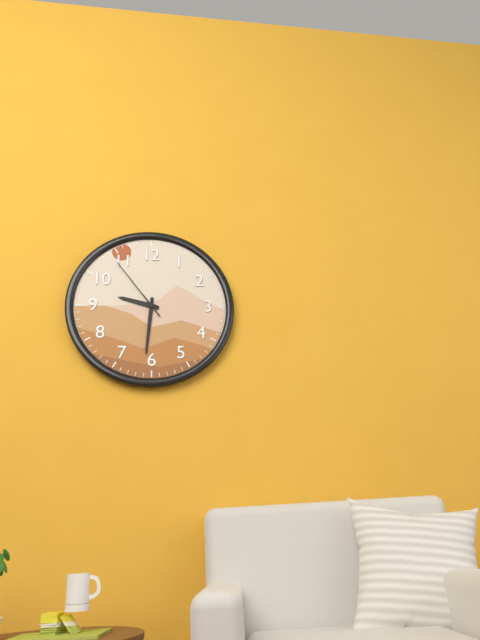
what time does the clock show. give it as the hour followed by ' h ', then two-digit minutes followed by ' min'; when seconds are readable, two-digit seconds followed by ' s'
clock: 9 h 31 min 54 s
